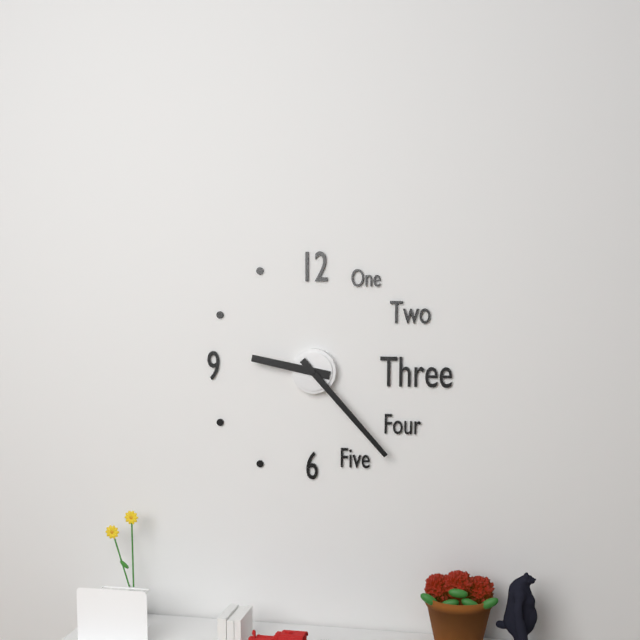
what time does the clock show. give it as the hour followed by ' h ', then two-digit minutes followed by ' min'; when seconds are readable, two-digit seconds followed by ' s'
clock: 9 h 23 min
